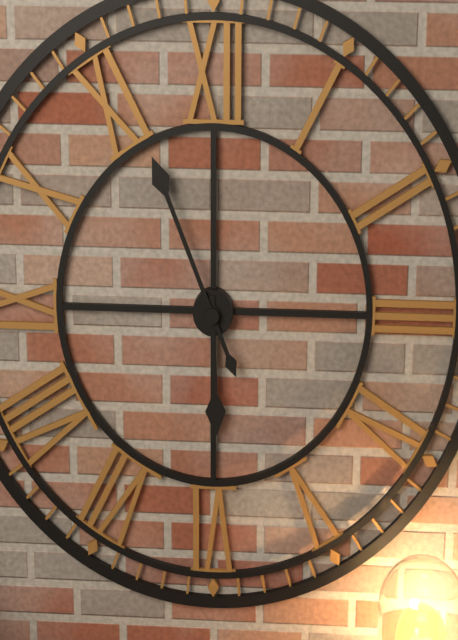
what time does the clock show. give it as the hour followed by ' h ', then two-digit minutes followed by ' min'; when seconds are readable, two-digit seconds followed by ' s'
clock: 5 h 56 min
